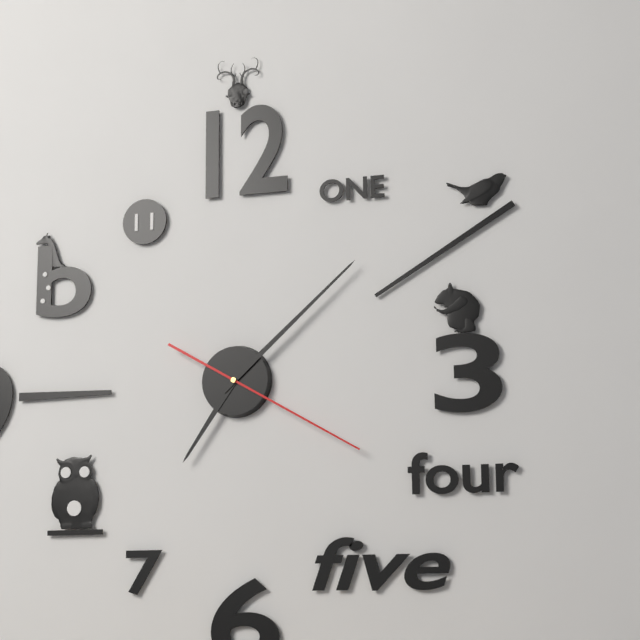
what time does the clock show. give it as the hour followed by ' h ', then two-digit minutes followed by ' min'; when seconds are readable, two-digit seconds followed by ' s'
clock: 7 h 08 min 20 s
